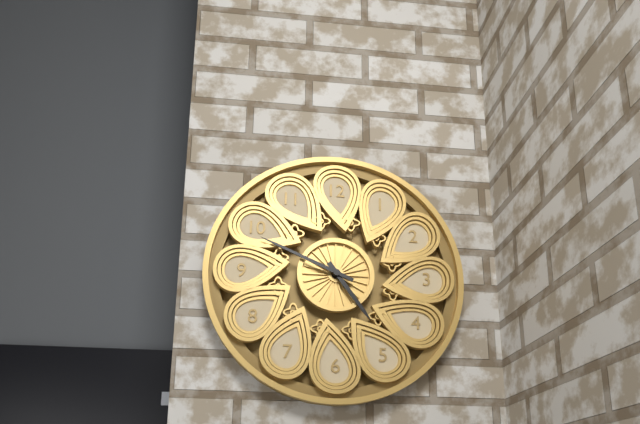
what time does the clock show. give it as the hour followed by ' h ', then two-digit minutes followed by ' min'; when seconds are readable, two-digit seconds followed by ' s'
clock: 4 h 49 min
